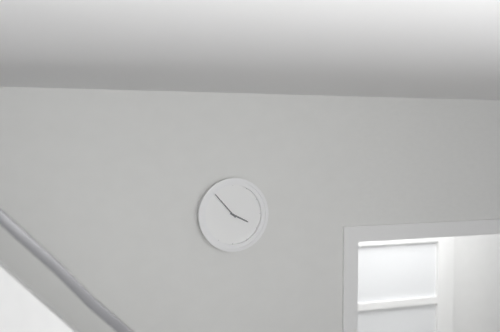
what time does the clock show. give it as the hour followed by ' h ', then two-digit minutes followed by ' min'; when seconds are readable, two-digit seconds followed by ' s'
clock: 3 h 53 min
